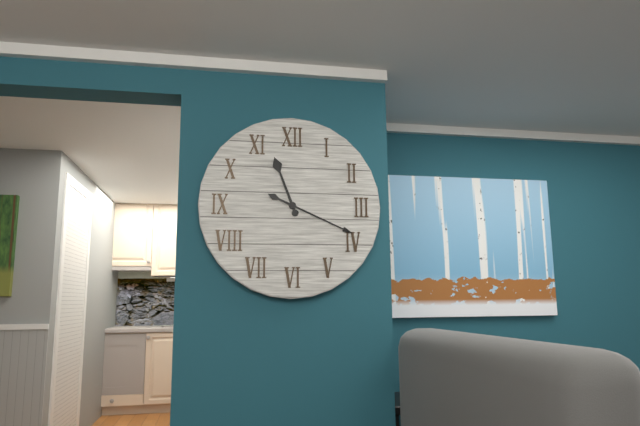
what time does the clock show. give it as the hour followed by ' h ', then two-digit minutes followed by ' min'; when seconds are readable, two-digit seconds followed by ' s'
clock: 11 h 19 min
